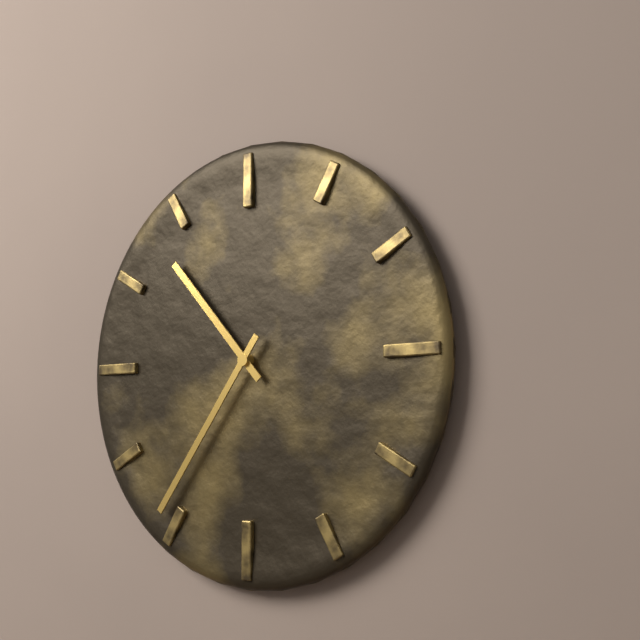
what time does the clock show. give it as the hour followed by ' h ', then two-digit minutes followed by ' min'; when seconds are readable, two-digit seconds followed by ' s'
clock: 10 h 36 min
